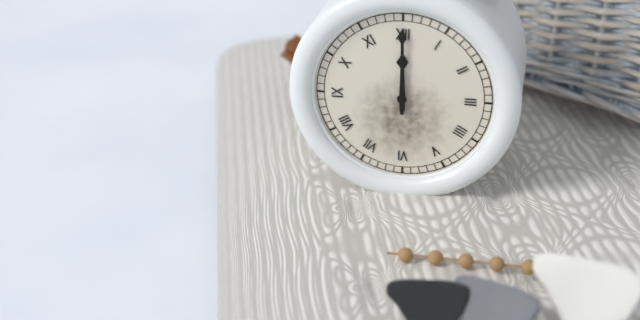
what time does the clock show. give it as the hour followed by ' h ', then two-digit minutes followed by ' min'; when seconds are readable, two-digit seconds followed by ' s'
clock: 12 h 00 min
